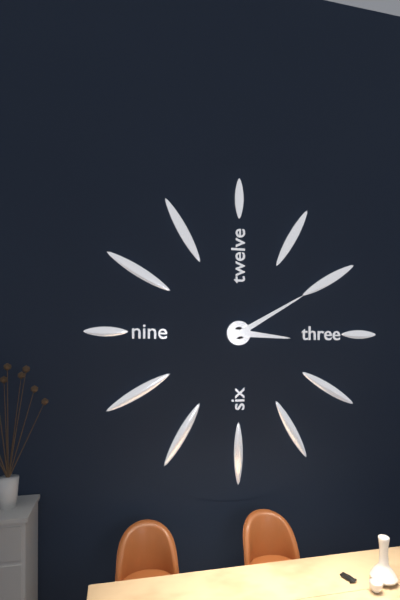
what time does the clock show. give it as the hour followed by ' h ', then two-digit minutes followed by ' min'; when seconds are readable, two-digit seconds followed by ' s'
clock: 3 h 10 min
